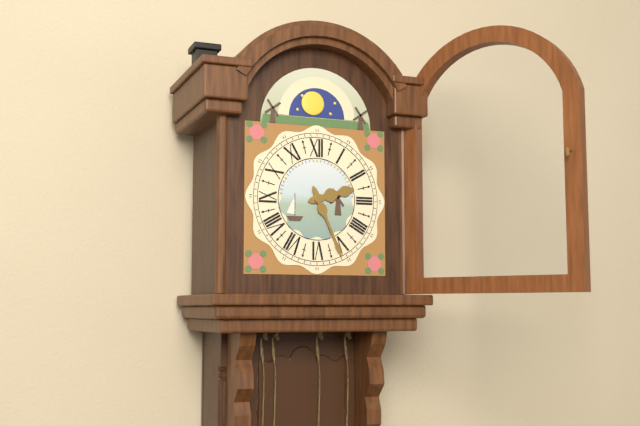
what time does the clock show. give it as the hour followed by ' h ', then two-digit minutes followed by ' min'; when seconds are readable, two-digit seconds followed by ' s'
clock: 2 h 26 min
